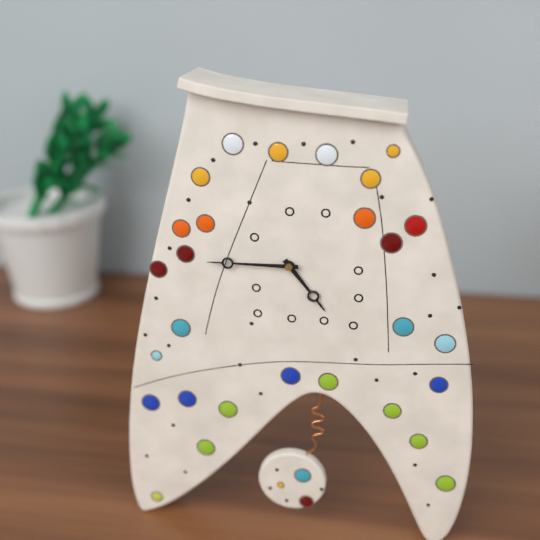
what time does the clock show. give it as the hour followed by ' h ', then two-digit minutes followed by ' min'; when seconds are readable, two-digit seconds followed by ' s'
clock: 4 h 45 min
